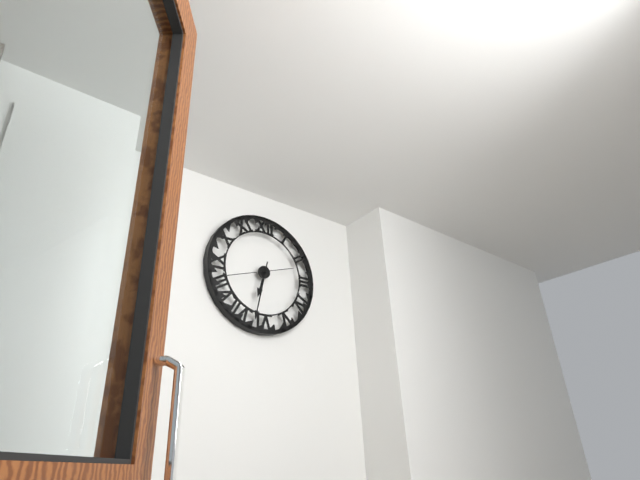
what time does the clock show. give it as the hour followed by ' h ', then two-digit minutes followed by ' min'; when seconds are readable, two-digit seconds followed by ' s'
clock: 6 h 32 min 42 s
